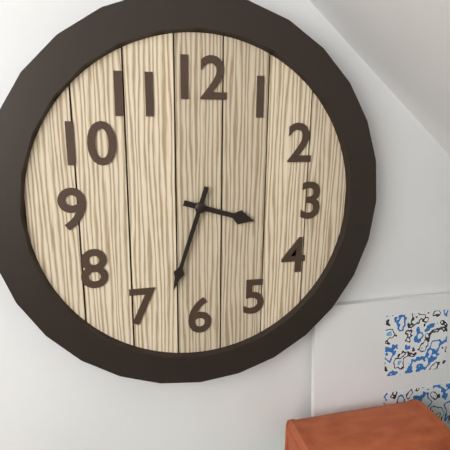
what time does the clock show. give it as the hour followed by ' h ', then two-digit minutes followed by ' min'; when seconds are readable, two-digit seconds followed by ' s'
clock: 3 h 33 min
